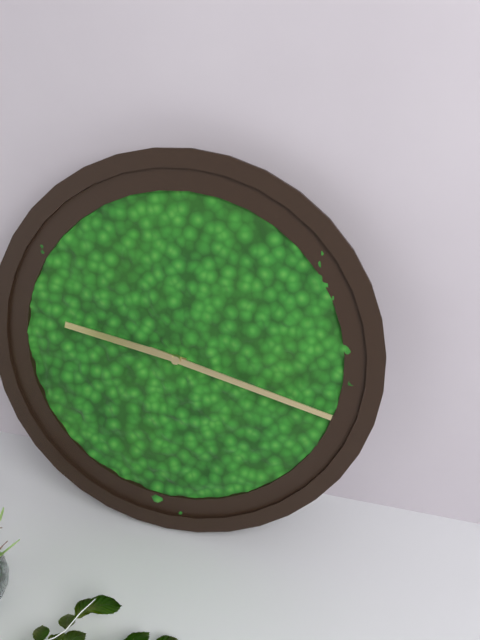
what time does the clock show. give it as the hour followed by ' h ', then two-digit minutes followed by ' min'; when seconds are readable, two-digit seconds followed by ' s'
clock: 9 h 17 min
